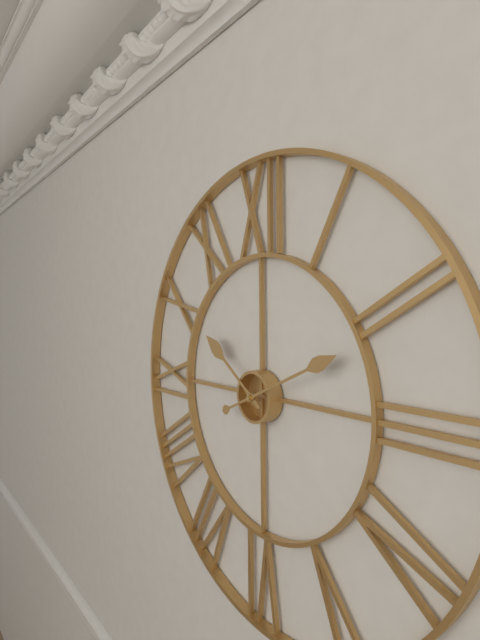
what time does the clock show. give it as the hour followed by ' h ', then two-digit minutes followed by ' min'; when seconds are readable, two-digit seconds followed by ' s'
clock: 10 h 11 min
